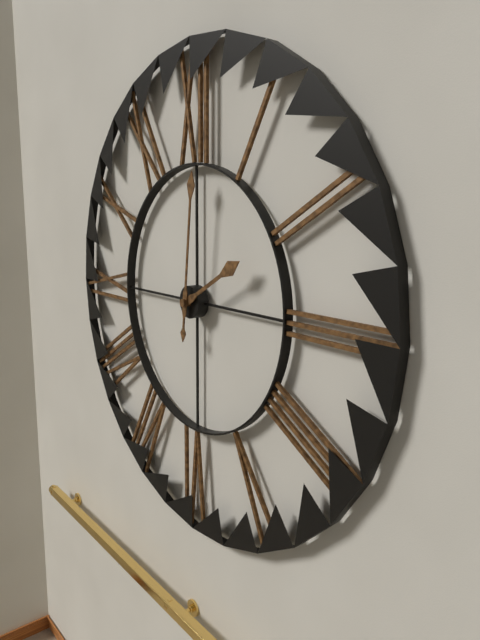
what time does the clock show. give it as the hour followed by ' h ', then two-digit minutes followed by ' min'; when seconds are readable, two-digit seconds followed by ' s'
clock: 2 h 01 min
